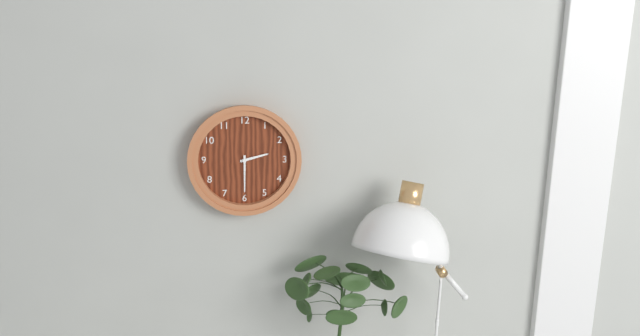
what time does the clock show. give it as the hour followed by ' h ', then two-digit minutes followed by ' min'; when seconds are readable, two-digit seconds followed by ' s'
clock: 2 h 30 min
